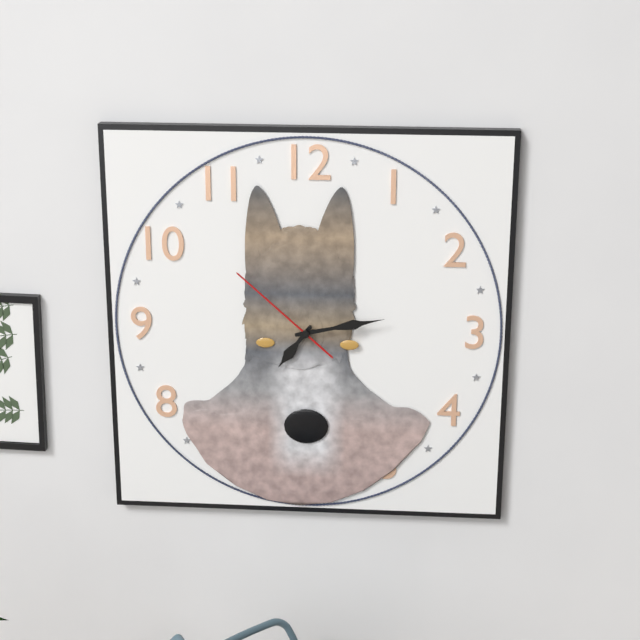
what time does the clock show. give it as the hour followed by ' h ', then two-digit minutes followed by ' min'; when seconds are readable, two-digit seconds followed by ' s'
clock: 7 h 13 min 52 s
